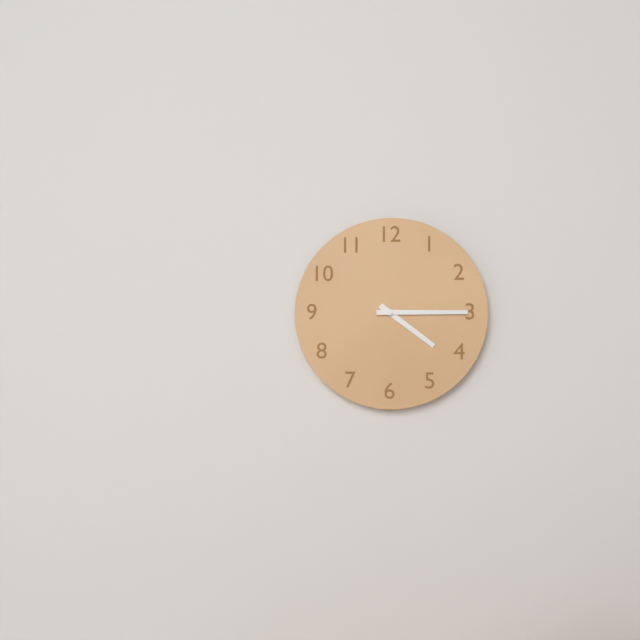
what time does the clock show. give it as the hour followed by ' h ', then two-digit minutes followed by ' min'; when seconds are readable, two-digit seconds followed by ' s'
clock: 4 h 15 min
